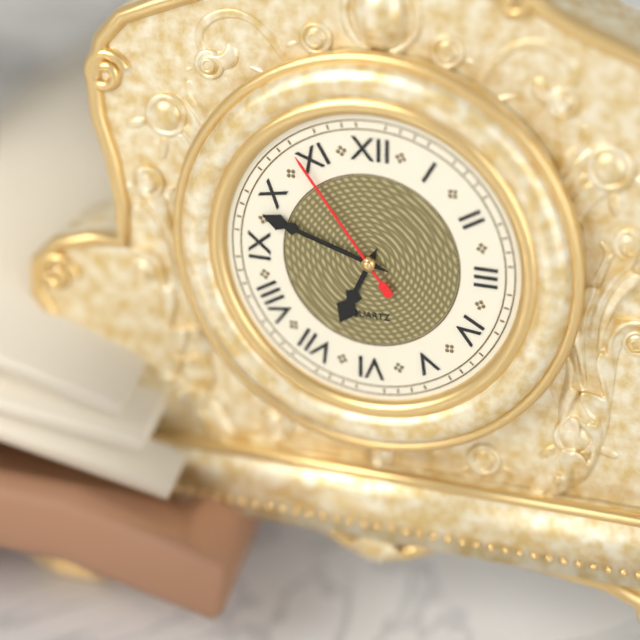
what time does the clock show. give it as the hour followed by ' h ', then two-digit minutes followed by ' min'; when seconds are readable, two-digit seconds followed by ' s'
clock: 6 h 48 min 54 s
